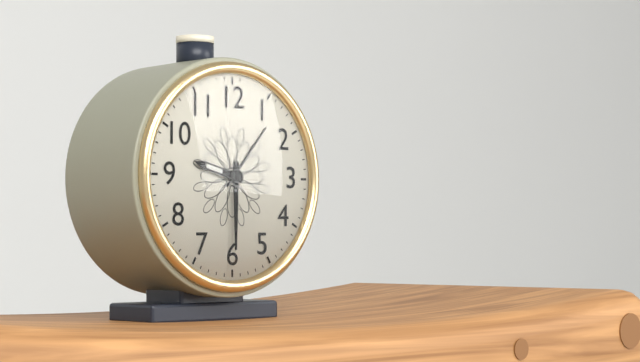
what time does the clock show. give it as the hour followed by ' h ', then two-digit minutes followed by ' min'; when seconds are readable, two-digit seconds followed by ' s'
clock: 9 h 30 min
